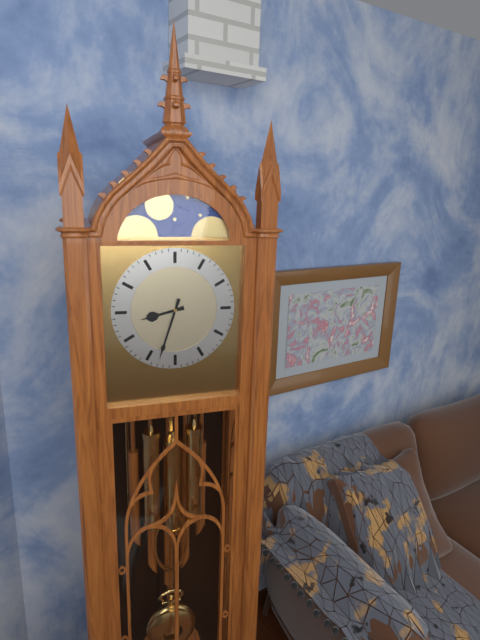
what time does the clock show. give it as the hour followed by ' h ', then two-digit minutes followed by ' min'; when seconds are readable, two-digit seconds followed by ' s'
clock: 8 h 33 min
